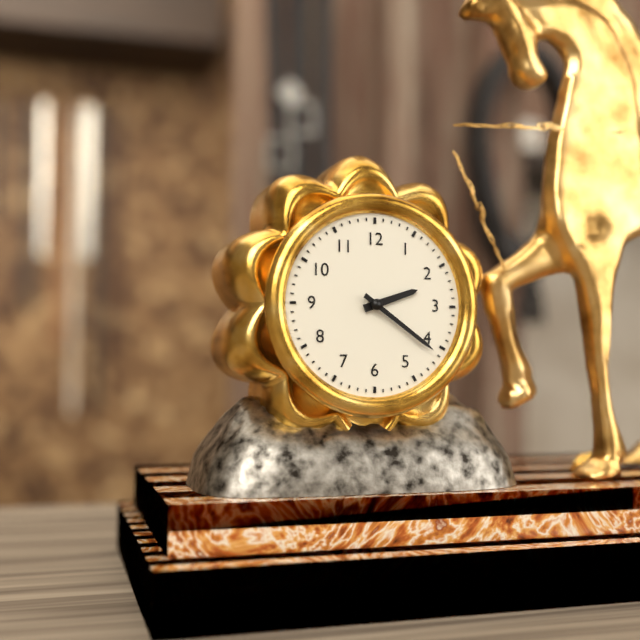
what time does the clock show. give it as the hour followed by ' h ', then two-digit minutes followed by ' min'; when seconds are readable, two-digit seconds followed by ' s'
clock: 2 h 21 min
